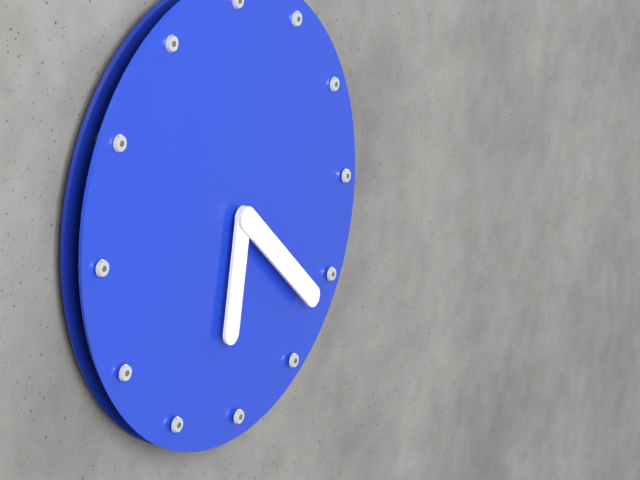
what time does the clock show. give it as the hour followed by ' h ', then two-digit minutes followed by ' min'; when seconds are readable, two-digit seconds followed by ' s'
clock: 6 h 22 min
